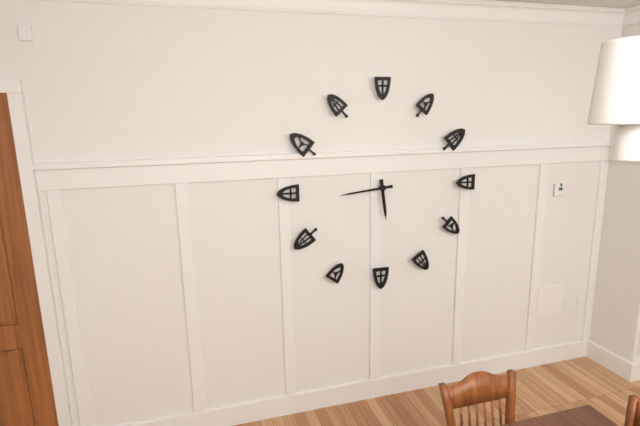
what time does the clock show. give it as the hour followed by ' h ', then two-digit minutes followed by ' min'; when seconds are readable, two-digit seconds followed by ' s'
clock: 5 h 44 min
